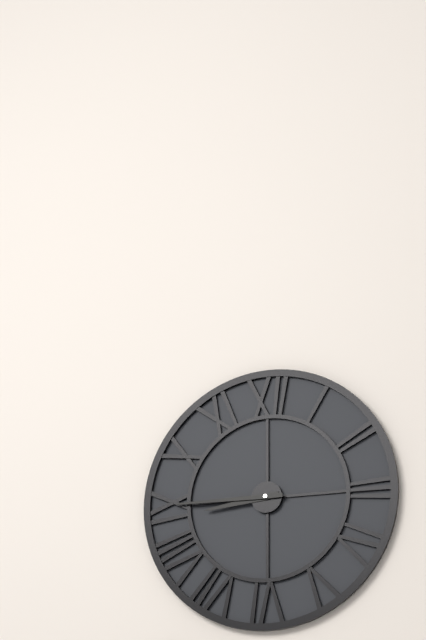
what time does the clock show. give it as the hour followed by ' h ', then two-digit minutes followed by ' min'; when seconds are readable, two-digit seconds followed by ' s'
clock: 8 h 45 min
